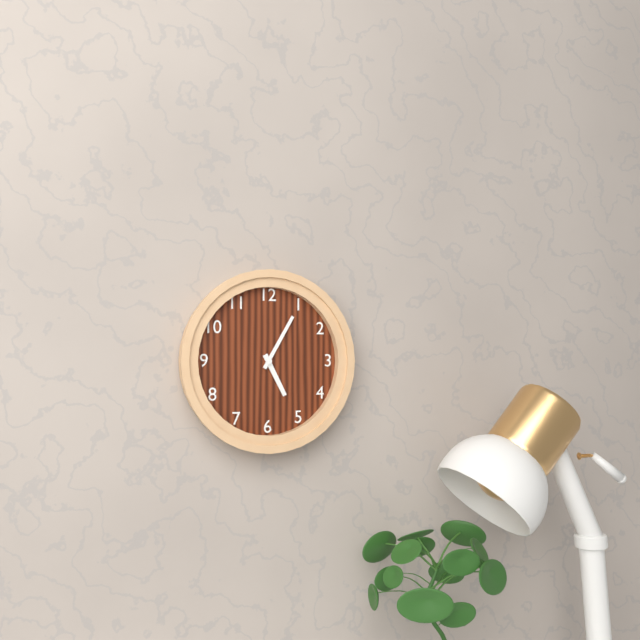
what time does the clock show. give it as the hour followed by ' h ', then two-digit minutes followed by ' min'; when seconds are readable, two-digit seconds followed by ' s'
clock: 5 h 05 min
